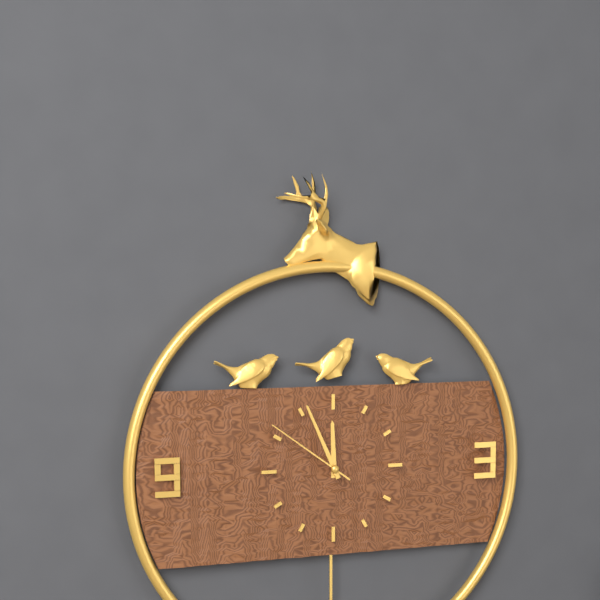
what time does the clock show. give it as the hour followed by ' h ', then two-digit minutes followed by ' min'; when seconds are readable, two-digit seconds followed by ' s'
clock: 11 h 56 min 51 s
